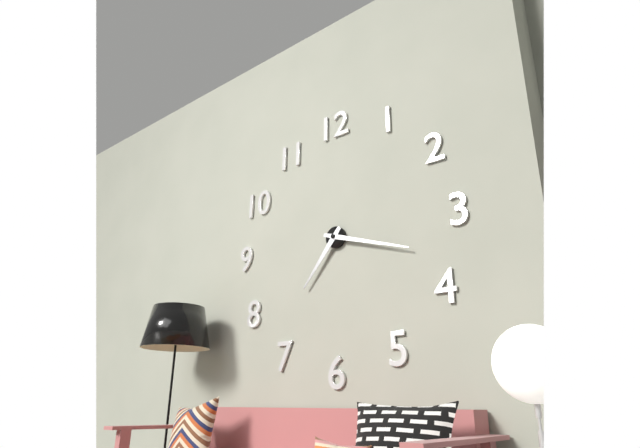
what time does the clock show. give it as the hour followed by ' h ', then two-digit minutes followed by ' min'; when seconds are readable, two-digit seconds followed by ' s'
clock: 7 h 18 min
